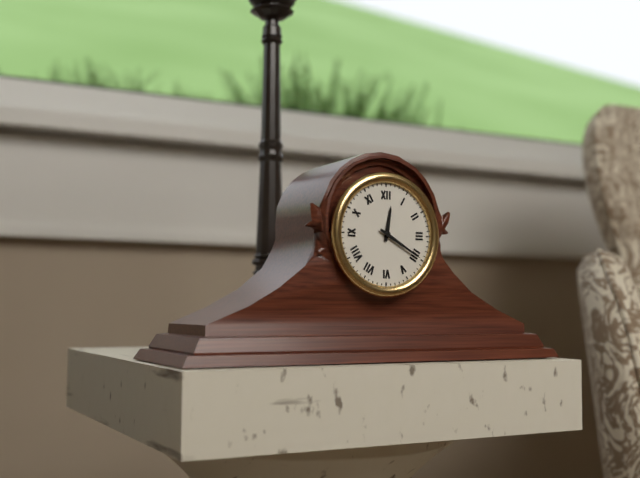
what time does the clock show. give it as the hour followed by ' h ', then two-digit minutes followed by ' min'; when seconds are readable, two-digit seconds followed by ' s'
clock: 12 h 20 min
